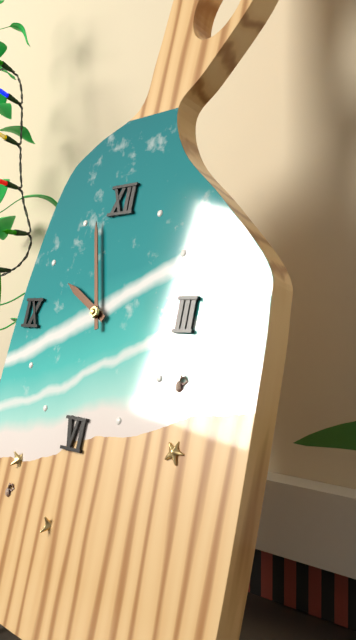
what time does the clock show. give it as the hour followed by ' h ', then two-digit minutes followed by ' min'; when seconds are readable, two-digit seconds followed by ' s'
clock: 9 h 57 min
